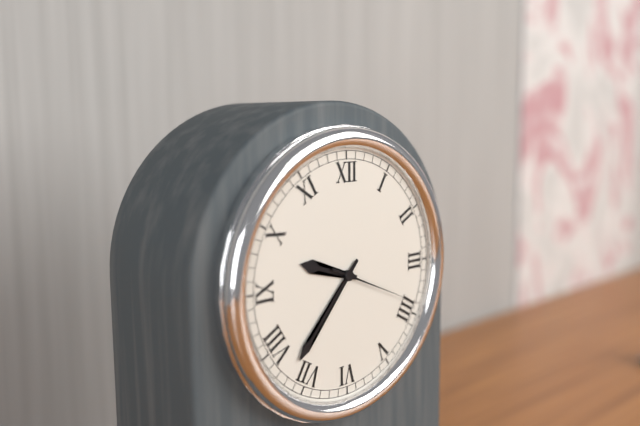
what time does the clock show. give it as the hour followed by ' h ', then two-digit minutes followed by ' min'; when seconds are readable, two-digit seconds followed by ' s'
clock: 9 h 37 min 19 s
